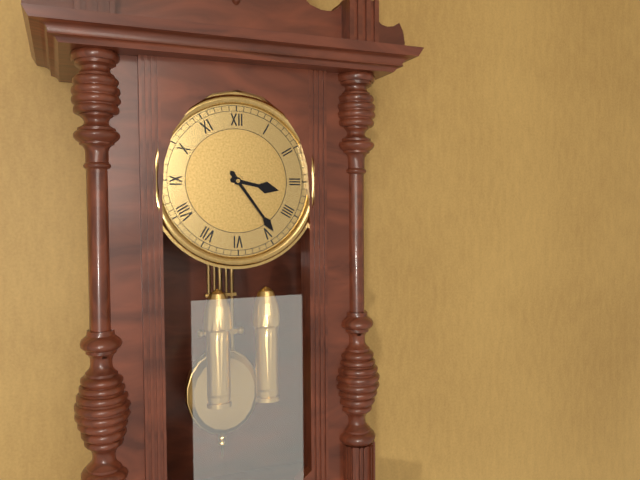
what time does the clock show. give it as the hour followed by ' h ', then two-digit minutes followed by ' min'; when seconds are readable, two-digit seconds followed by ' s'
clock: 3 h 24 min
